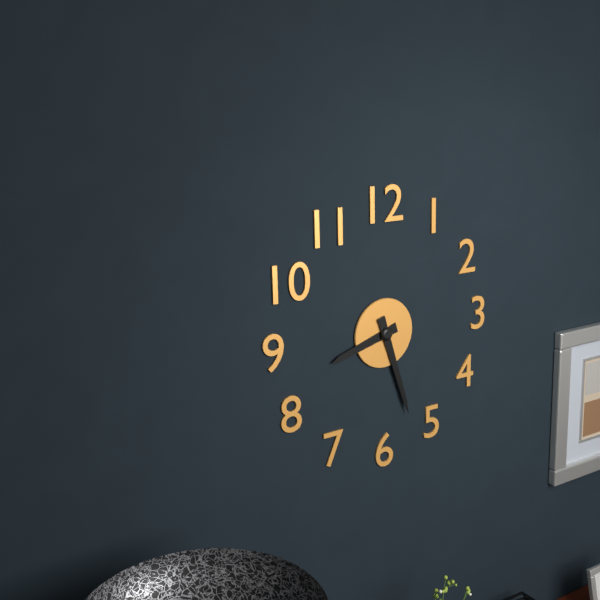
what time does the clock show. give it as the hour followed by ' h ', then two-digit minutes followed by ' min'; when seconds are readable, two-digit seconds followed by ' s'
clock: 8 h 27 min
